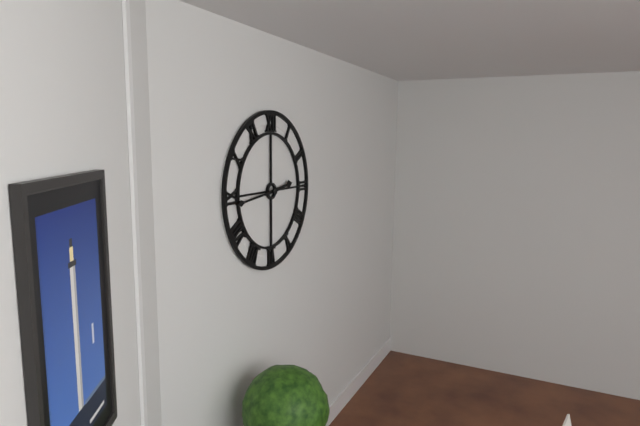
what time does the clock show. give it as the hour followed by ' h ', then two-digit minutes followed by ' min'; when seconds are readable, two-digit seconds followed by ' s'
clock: 2 h 44 min
